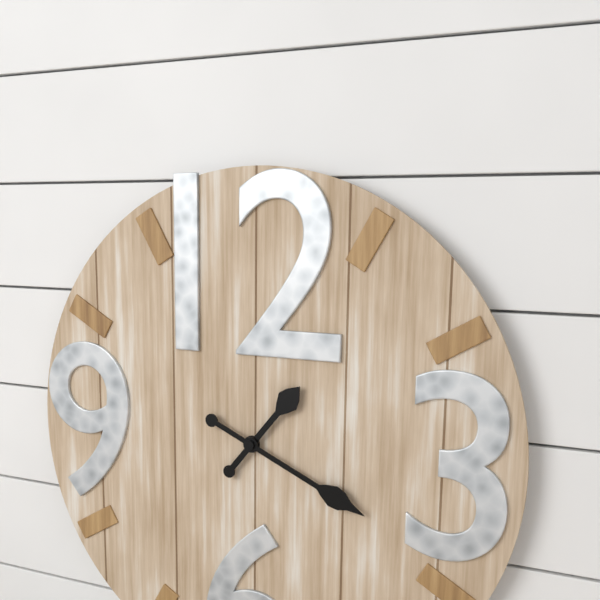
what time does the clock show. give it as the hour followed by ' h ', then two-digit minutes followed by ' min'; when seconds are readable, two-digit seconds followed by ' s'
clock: 1 h 19 min
